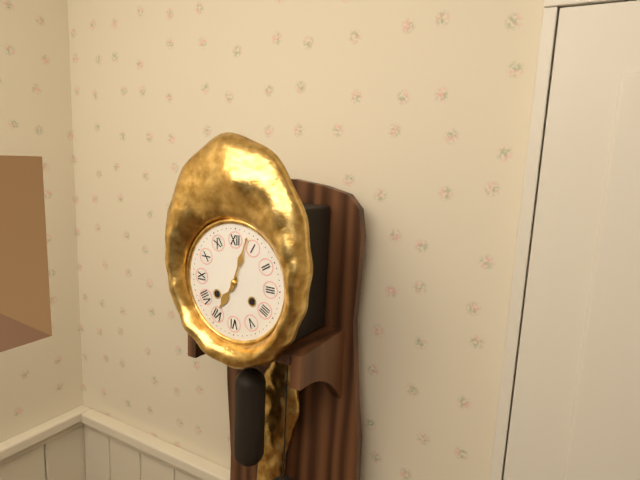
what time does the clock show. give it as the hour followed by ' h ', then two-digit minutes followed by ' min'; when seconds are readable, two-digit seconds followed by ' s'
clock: 7 h 03 min
